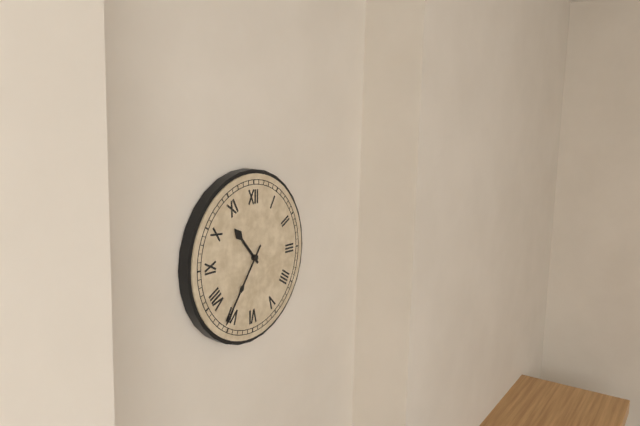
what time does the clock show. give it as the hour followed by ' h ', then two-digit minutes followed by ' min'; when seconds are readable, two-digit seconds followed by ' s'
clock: 10 h 36 min
